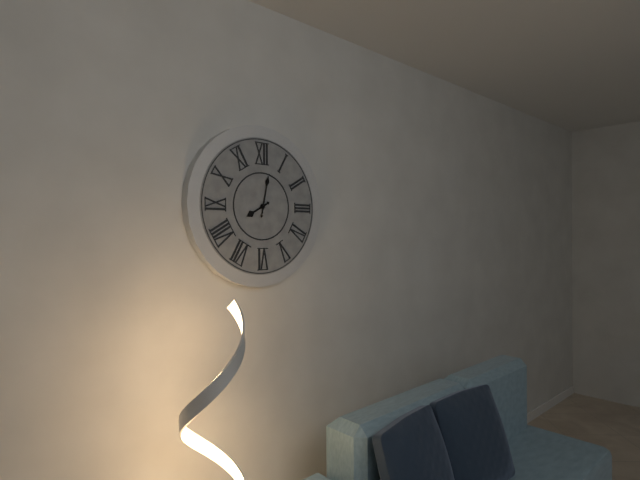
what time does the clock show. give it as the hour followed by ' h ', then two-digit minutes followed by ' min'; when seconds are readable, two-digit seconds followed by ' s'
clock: 8 h 02 min
